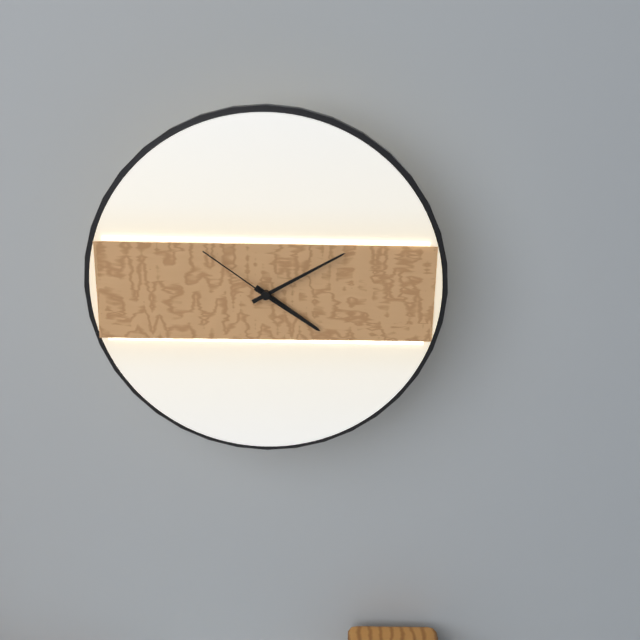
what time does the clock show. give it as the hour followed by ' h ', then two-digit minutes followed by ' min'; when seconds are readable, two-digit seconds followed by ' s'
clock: 4 h 10 min 51 s
